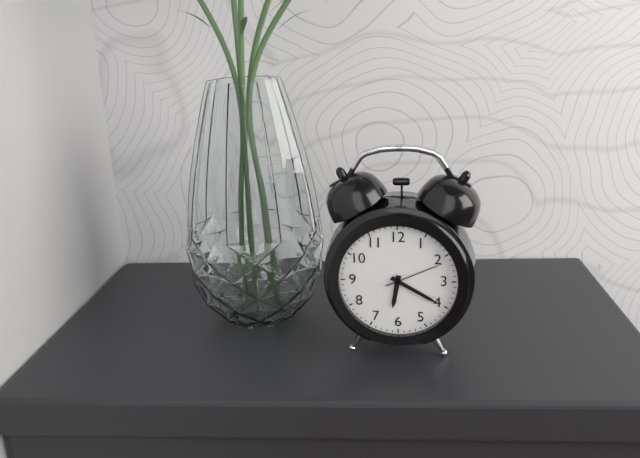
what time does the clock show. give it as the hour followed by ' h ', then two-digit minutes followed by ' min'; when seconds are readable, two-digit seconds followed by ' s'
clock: 6 h 20 min 11 s
